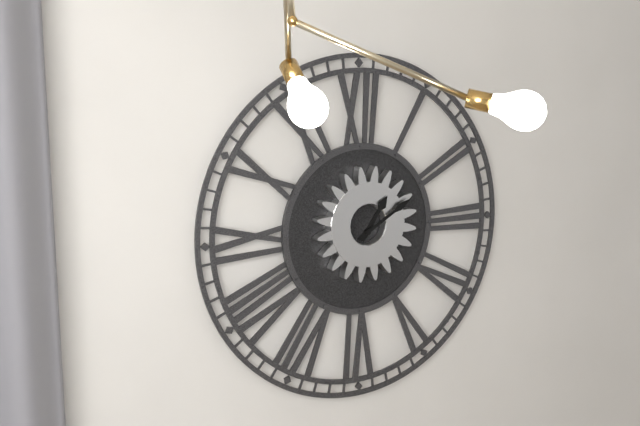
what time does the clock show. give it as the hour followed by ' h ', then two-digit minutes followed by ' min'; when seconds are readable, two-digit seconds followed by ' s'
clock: 1 h 10 min
